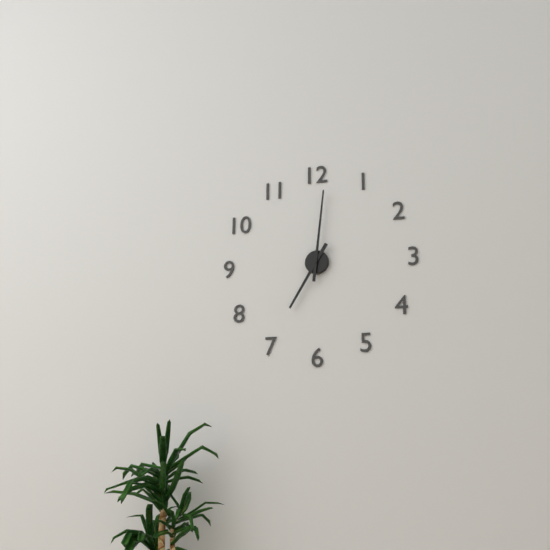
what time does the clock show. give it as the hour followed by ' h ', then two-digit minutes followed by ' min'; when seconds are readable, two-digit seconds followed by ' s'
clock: 7 h 01 min
